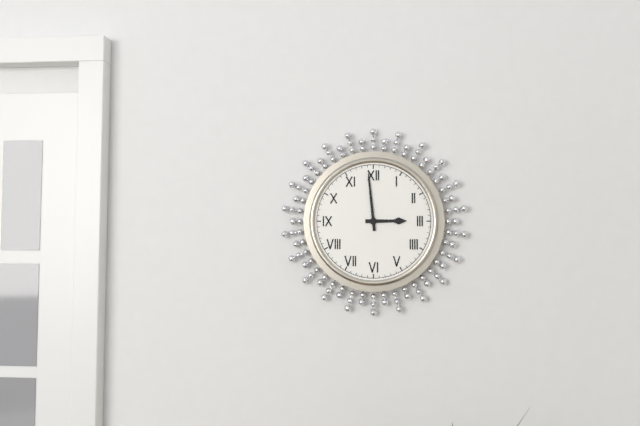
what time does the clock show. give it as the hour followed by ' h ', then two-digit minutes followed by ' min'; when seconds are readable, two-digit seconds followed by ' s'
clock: 2 h 59 min
